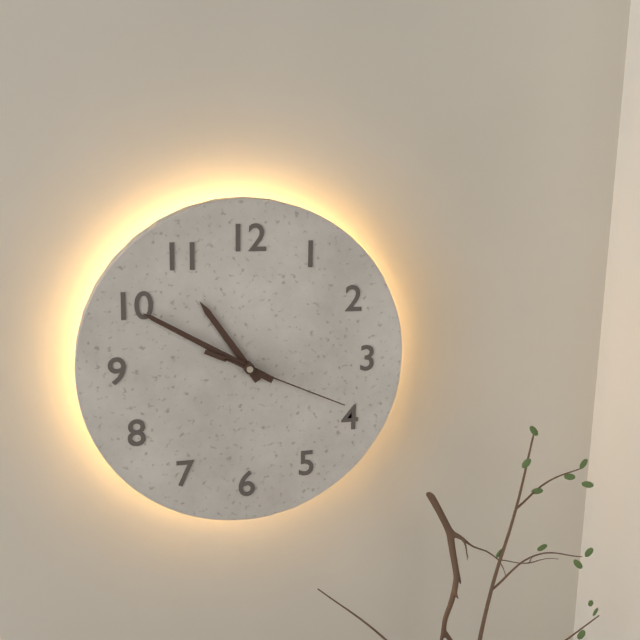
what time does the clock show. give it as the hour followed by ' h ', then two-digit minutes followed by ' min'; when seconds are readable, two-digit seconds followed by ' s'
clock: 10 h 50 min 19 s
